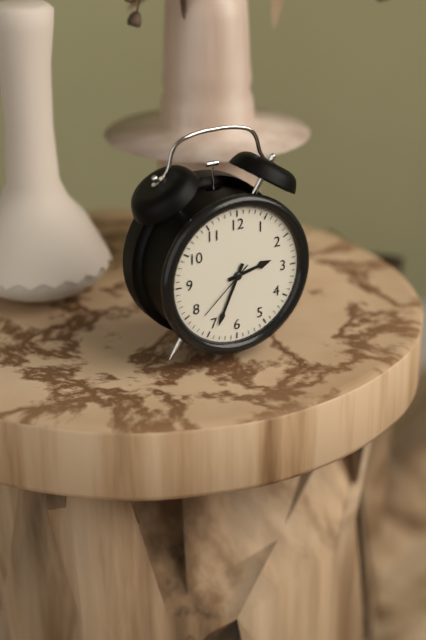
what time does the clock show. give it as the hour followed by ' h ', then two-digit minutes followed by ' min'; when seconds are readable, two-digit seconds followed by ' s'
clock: 2 h 34 min 38 s
